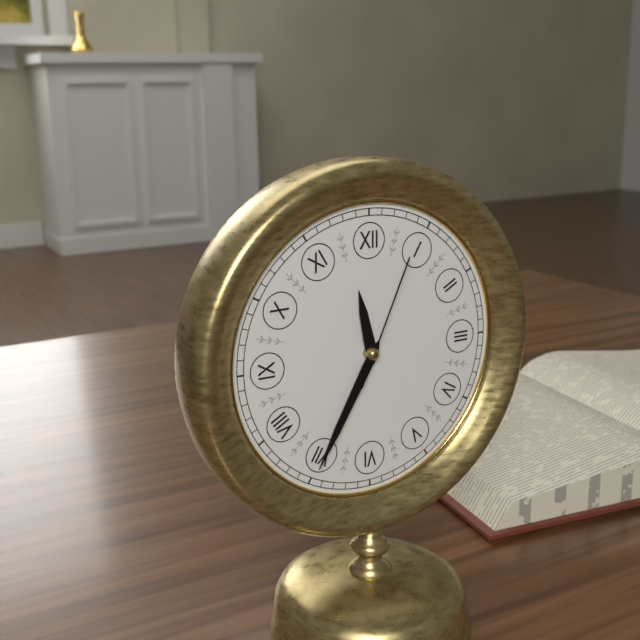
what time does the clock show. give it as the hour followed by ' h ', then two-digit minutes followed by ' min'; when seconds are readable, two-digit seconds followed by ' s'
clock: 11 h 35 min 04 s
